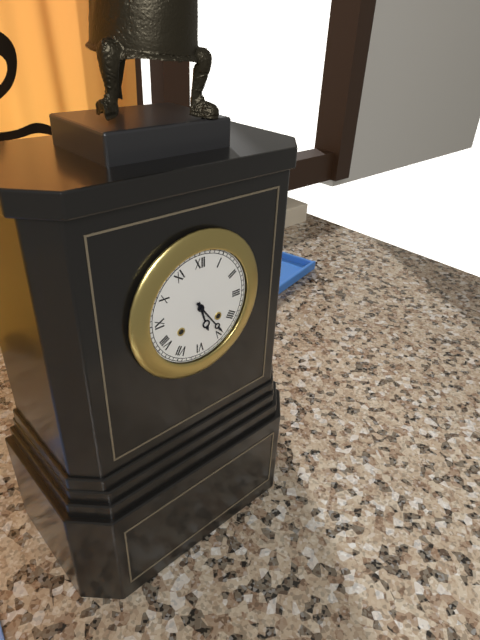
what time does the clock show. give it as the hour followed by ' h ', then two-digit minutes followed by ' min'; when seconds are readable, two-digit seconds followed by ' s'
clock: 5 h 24 min
